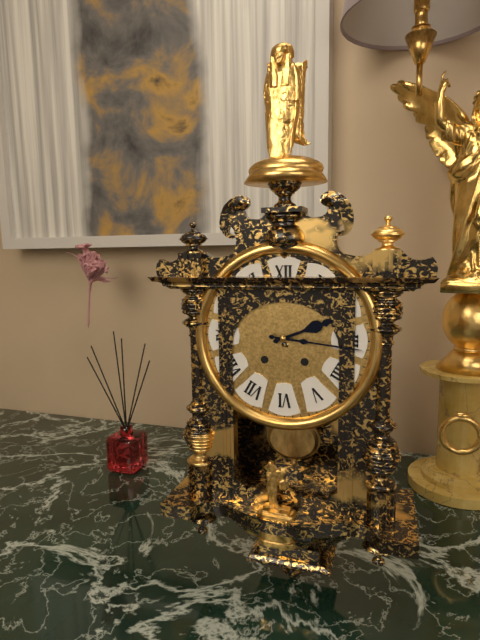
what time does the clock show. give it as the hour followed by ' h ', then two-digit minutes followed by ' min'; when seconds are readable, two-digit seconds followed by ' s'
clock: 2 h 16 min
